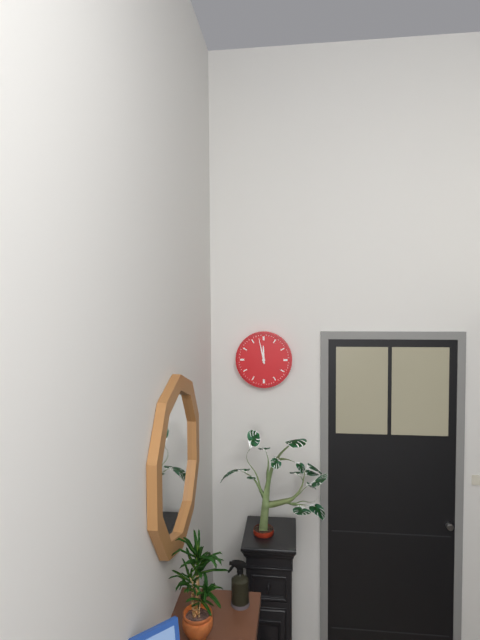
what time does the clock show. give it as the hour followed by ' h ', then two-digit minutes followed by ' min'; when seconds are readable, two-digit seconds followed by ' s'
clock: 11 h 58 min
